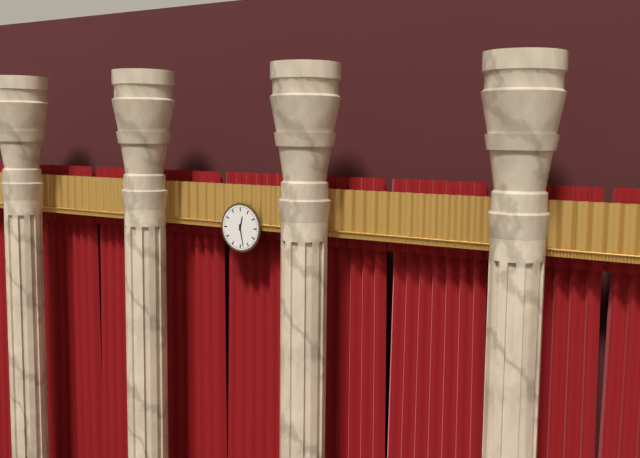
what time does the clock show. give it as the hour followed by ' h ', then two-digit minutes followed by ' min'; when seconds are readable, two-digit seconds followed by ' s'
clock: 12 h 28 min
